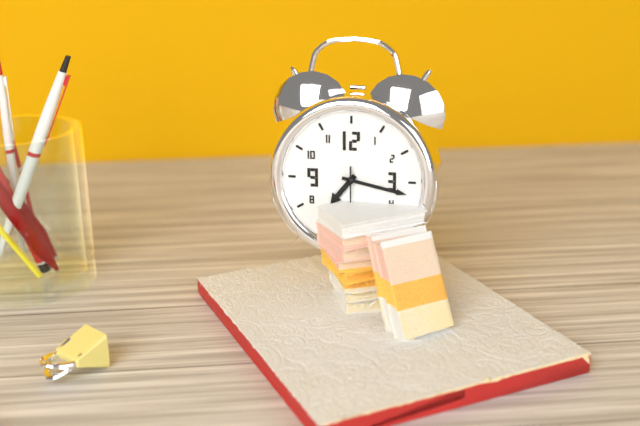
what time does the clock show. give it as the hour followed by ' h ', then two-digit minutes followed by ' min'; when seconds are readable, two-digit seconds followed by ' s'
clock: 7 h 17 min
